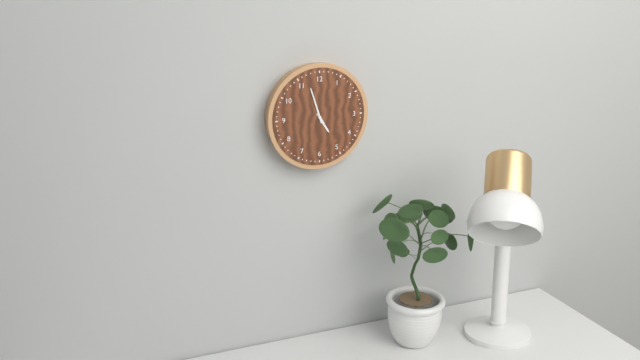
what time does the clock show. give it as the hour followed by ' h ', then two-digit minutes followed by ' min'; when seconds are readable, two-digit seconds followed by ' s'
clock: 4 h 57 min
